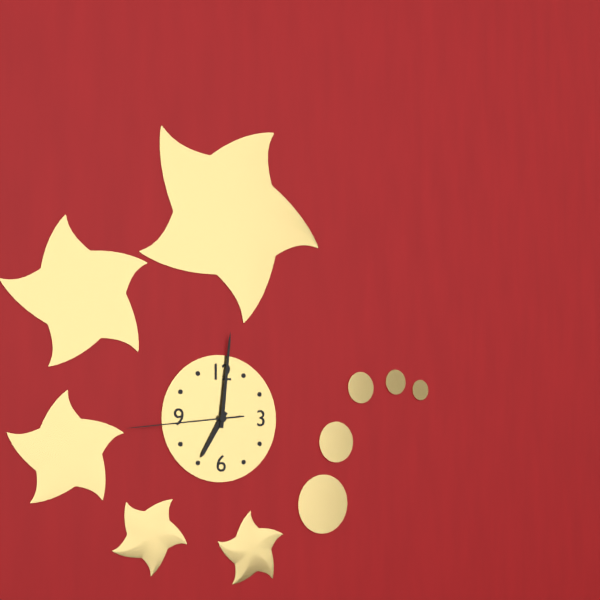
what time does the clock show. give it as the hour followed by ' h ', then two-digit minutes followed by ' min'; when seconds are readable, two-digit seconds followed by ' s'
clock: 7 h 01 min 44 s
